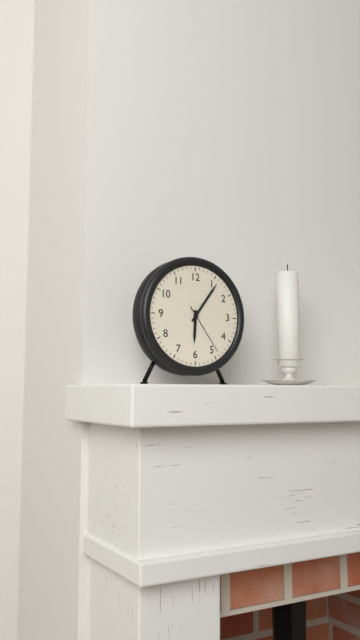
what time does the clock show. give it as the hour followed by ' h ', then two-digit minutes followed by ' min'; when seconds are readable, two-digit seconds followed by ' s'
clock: 6 h 06 min 24 s
